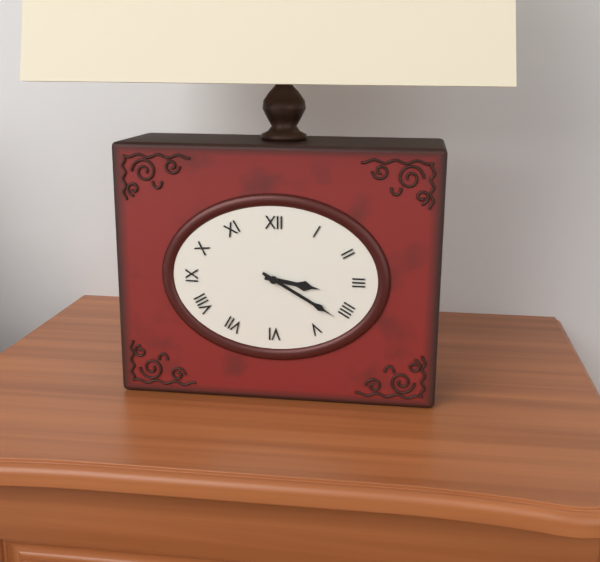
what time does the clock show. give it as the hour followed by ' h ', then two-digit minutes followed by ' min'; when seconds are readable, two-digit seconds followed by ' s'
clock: 3 h 20 min
